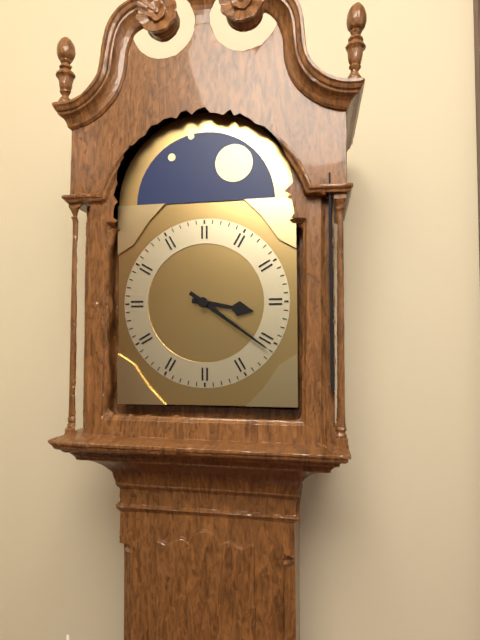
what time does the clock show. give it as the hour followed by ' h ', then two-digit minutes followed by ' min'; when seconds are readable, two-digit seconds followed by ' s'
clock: 3 h 21 min
